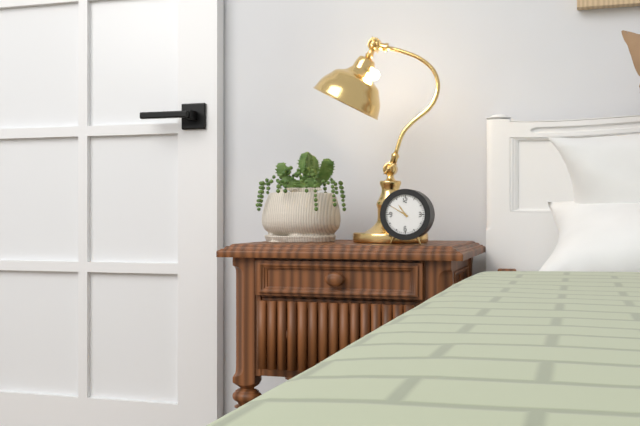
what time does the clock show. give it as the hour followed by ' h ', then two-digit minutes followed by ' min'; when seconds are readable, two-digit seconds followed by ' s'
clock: 10 h 50 min
